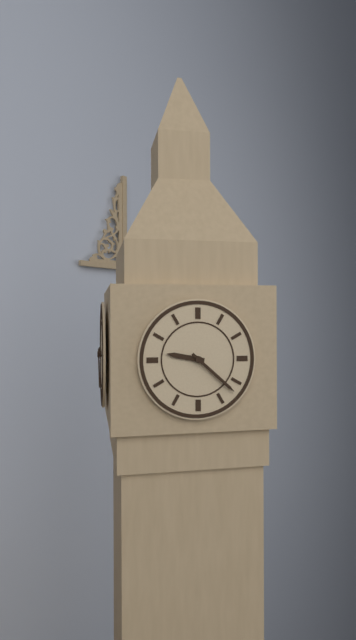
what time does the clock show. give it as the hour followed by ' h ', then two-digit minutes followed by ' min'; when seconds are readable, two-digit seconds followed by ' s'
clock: 9 h 22 min
